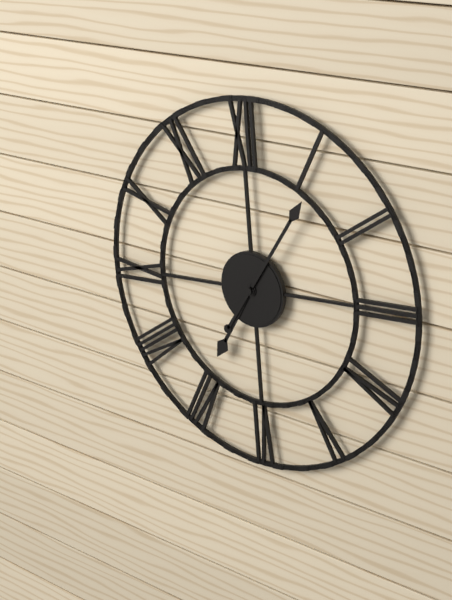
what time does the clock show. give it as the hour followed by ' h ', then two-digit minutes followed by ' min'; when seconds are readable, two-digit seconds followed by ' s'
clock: 7 h 06 min
